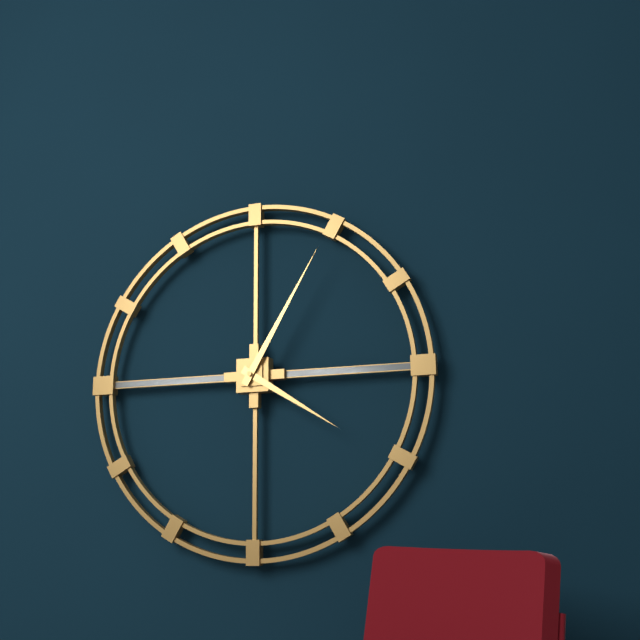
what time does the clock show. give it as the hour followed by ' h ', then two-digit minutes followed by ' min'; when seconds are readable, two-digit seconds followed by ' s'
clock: 4 h 05 min
